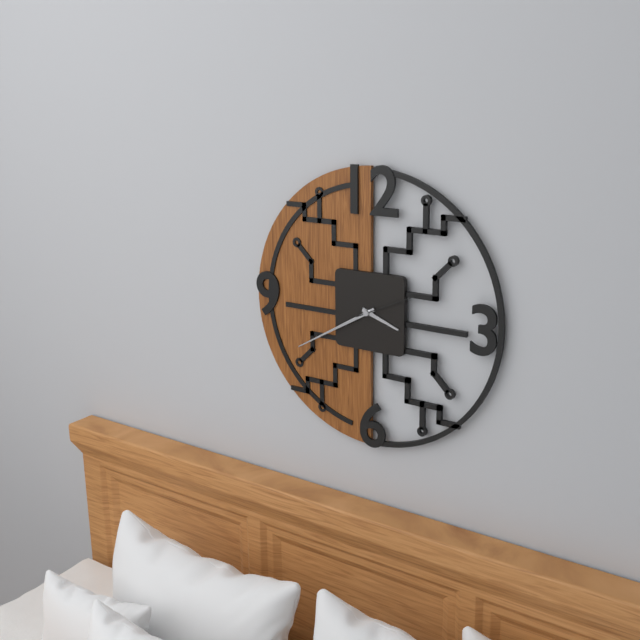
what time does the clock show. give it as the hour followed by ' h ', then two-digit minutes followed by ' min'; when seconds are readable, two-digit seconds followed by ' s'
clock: 3 h 40 min 11 s
